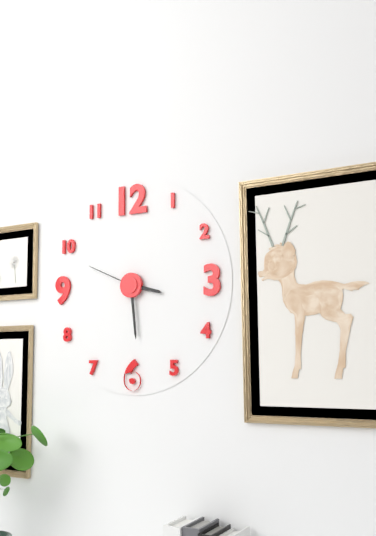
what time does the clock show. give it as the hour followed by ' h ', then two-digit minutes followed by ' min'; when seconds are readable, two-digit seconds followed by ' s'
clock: 3 h 29 min 49 s
